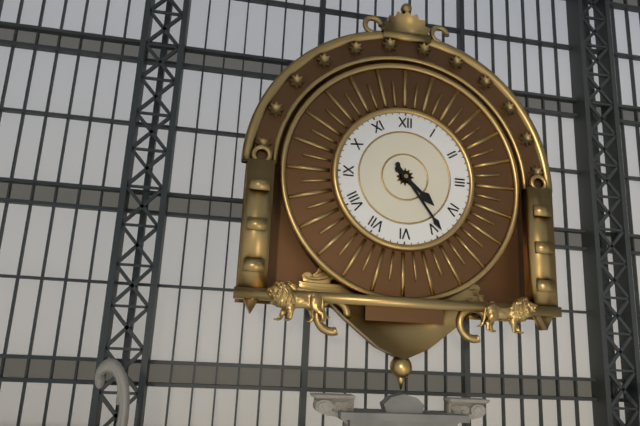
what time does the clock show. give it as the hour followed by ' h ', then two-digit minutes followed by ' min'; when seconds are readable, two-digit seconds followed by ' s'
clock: 4 h 24 min
